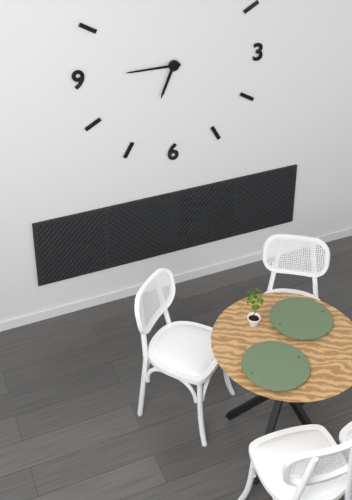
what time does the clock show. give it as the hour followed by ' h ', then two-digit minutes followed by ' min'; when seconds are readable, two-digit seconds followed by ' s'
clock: 6 h 45 min
